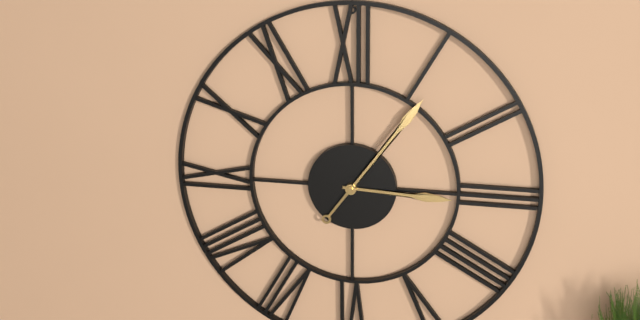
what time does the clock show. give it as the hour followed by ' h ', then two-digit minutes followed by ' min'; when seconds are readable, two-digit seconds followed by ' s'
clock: 3 h 06 min
